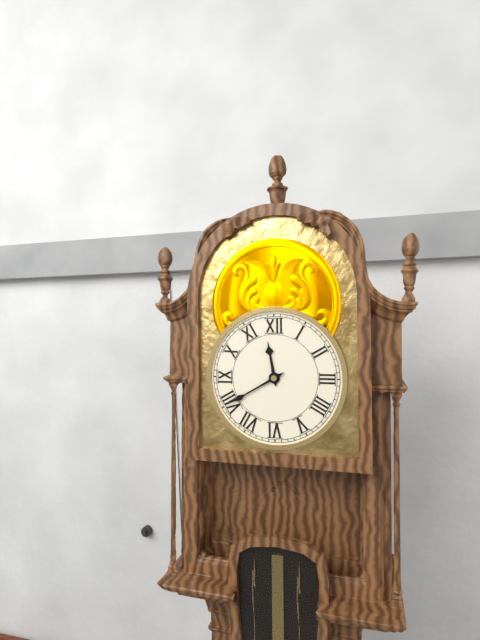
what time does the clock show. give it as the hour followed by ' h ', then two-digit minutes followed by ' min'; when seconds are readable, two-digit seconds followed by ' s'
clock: 11 h 40 min
